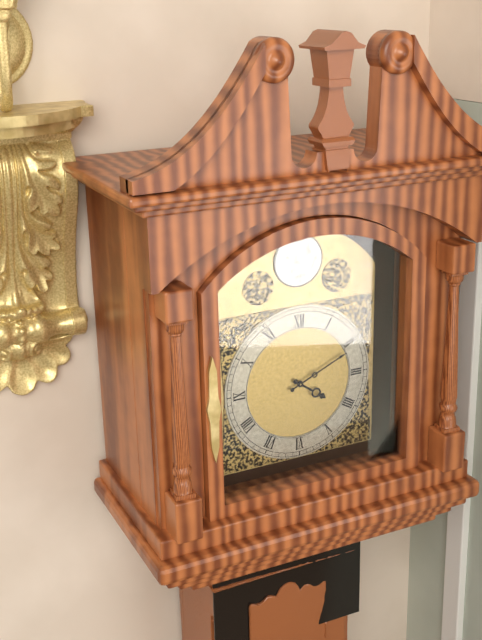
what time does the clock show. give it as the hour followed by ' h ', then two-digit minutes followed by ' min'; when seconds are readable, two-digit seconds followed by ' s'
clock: 4 h 11 min
